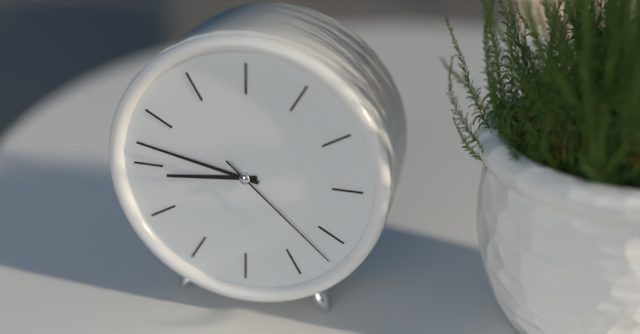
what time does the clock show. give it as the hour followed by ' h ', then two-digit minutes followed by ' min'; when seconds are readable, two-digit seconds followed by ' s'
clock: 8 h 47 min 22 s
